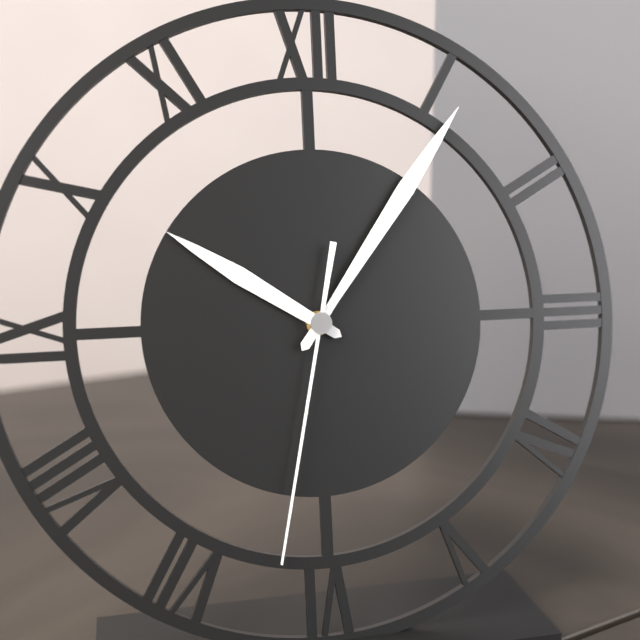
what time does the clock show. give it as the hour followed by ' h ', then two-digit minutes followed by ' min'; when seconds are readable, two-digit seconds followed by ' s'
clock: 10 h 06 min 32 s
